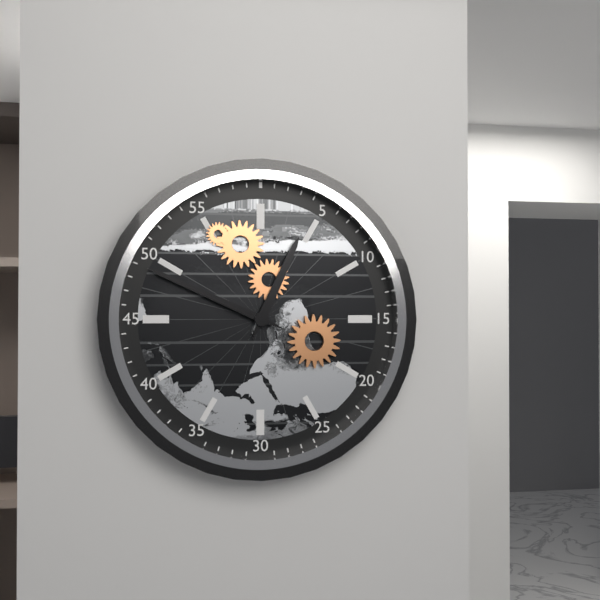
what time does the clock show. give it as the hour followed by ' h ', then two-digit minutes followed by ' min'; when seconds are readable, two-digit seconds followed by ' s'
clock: 12 h 49 min
